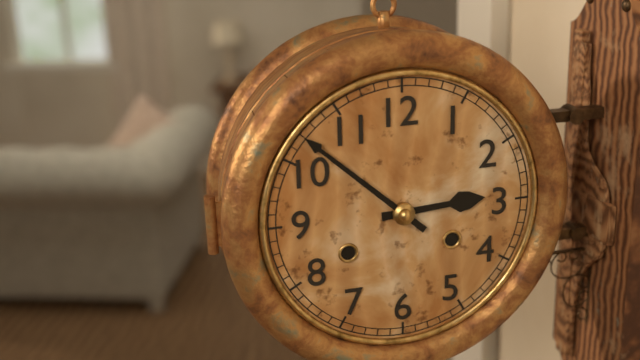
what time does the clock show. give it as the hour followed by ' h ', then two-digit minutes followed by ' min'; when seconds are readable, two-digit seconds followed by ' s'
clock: 2 h 52 min
